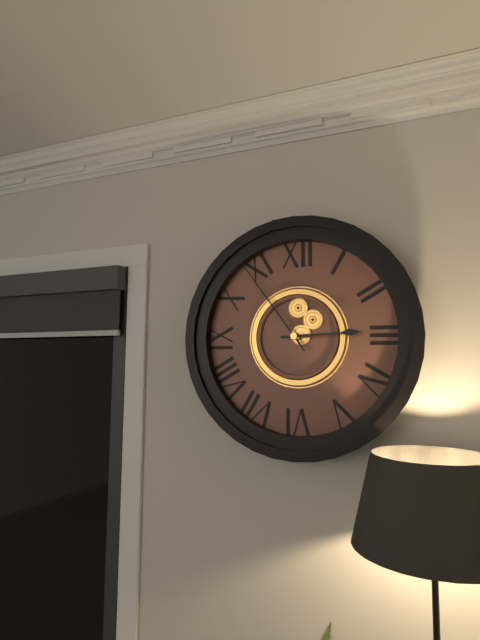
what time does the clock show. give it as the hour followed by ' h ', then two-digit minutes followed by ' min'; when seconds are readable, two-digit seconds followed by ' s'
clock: 2 h 54 min
